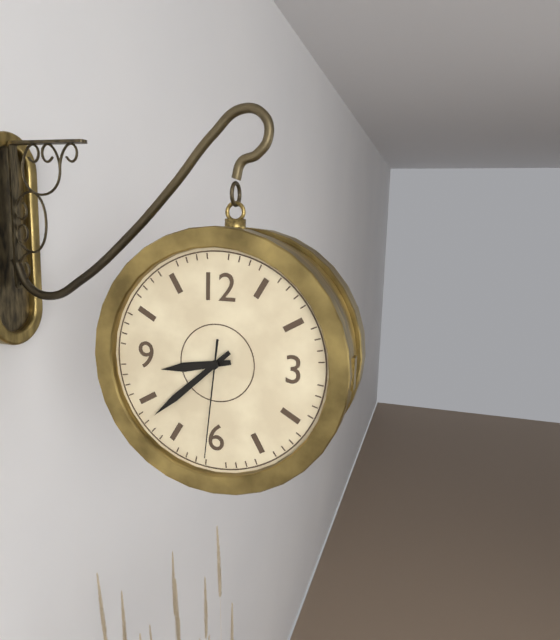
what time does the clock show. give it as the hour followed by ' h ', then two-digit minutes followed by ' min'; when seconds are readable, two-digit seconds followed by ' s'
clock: 8 h 38 min 31 s
